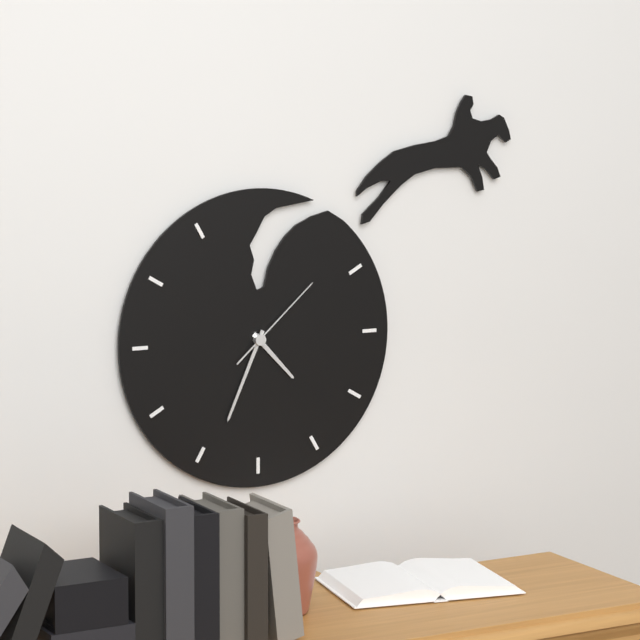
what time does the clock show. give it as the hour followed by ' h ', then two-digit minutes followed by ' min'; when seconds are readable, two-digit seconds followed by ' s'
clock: 4 h 34 min 08 s
